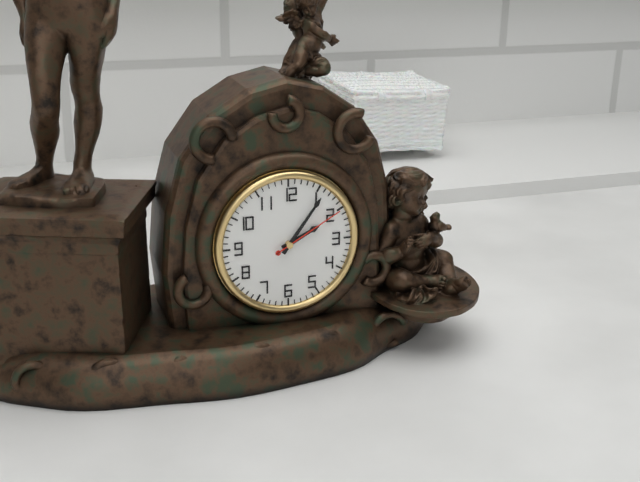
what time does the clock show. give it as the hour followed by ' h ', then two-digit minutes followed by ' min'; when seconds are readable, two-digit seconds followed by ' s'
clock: 2 h 06 min 10 s
